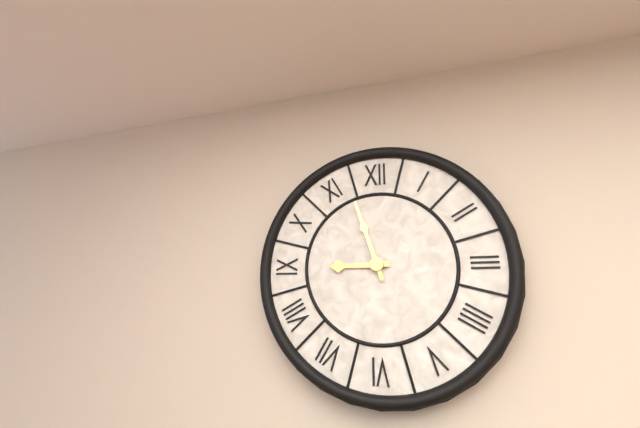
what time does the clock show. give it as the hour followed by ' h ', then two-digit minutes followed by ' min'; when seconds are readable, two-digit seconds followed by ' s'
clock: 8 h 57 min
